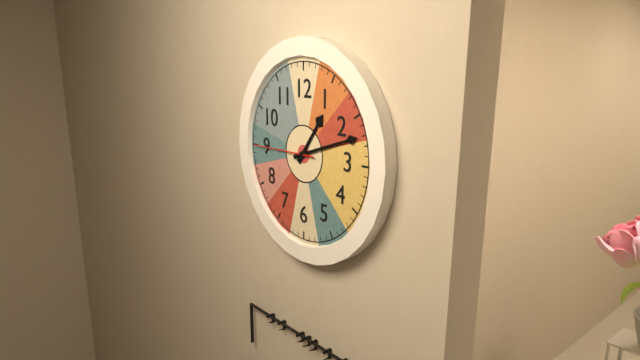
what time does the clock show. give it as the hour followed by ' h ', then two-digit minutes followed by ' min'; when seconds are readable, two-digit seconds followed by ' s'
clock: 1 h 12 min 45 s
